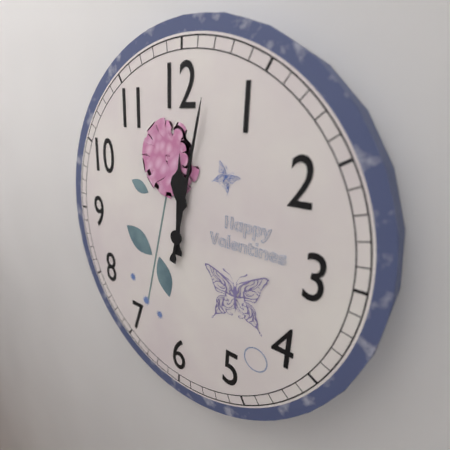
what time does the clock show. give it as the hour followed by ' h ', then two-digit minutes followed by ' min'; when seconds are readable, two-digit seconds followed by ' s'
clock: 12 h 02 min
